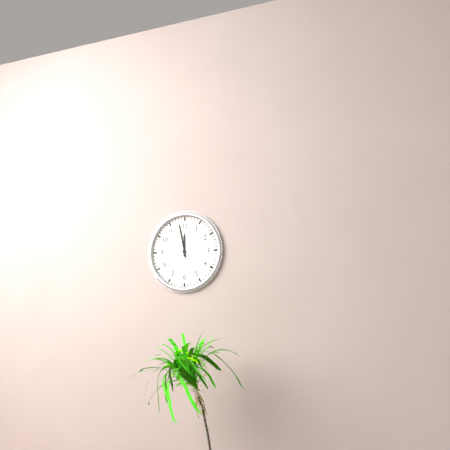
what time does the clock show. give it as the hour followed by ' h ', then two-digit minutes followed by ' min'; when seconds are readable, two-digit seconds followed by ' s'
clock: 11 h 58 min
